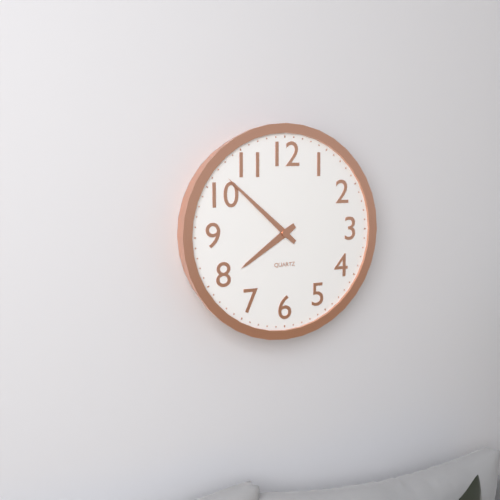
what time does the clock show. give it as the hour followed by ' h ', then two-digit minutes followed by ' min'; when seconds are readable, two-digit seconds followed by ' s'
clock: 7 h 52 min
